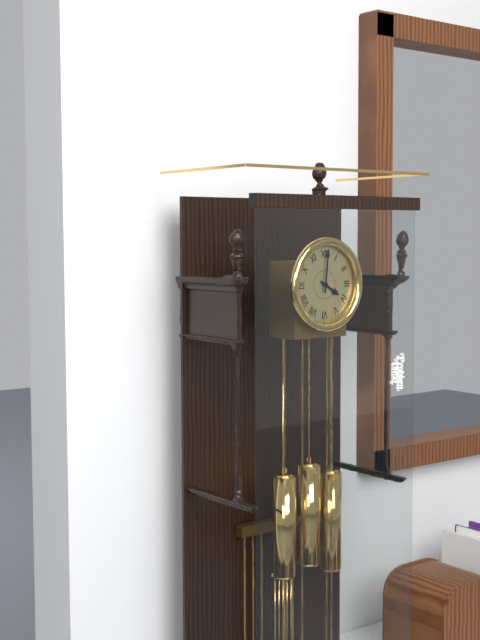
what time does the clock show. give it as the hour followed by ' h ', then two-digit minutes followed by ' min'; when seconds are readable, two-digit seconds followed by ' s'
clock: 4 h 01 min
